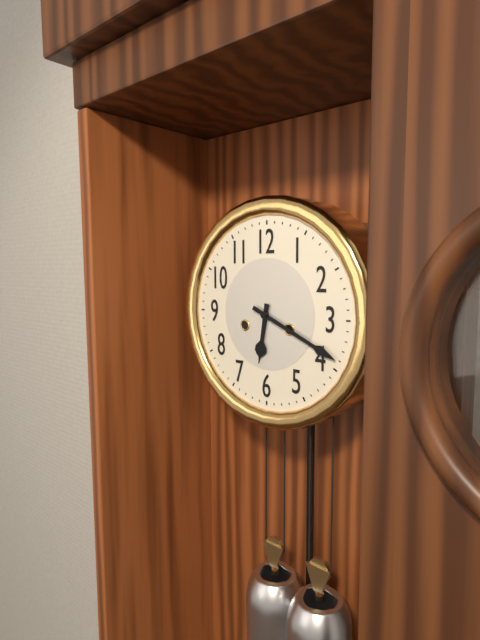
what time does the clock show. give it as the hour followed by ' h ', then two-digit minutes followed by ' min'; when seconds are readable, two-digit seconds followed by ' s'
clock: 6 h 19 min
